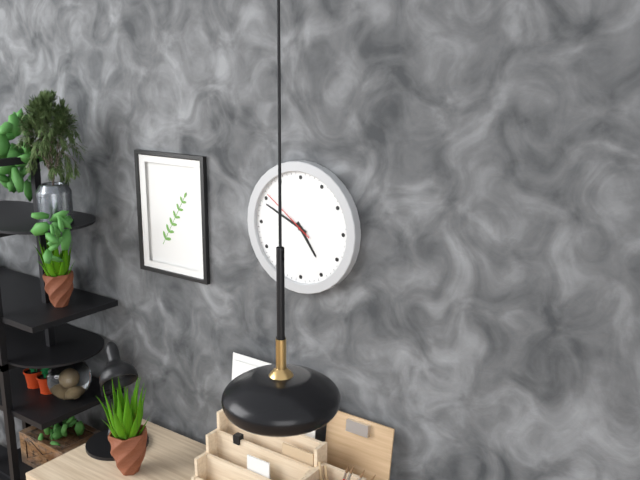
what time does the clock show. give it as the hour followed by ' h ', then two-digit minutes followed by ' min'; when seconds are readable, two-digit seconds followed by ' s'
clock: 4 h 49 min 51 s
